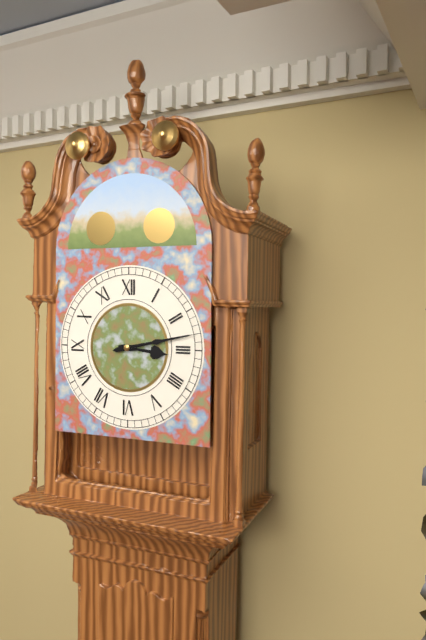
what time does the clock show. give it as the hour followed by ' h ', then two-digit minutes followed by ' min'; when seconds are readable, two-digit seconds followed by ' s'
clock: 3 h 13 min
